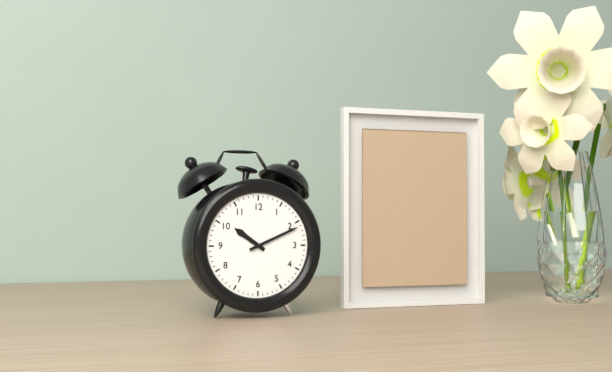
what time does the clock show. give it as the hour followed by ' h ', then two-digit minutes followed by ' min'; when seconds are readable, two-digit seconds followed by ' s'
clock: 10 h 11 min
